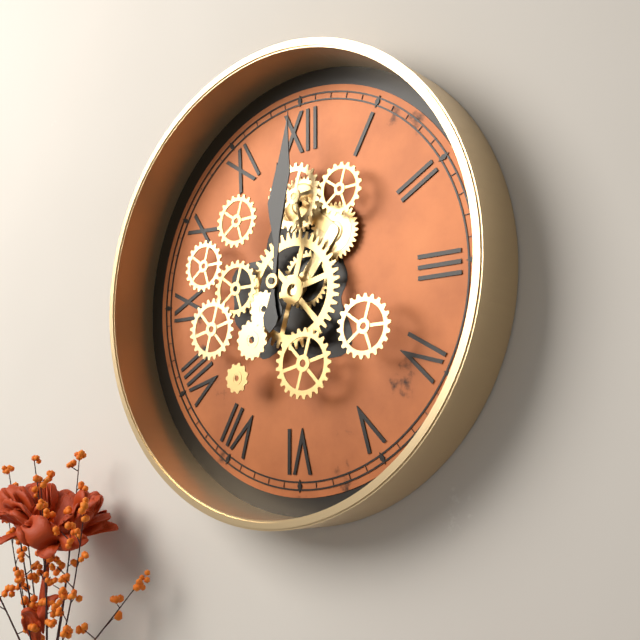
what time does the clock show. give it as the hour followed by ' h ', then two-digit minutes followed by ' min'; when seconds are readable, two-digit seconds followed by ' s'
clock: 12 h 01 min
